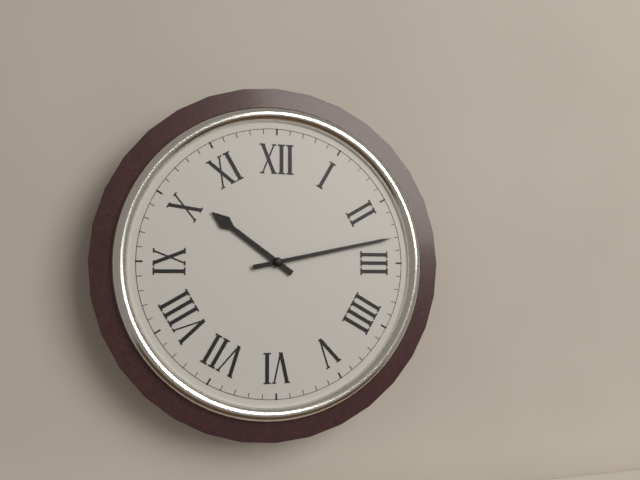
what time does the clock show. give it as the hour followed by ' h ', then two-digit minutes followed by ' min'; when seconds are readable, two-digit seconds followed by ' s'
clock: 10 h 13 min
